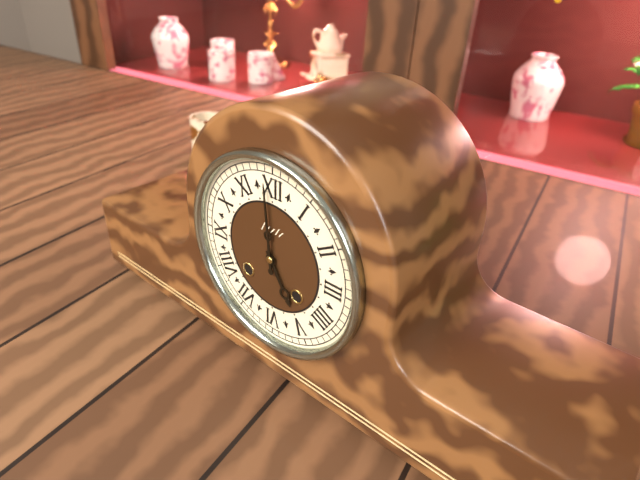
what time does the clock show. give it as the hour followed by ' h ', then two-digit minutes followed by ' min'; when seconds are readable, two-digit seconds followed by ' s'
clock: 4 h 59 min
